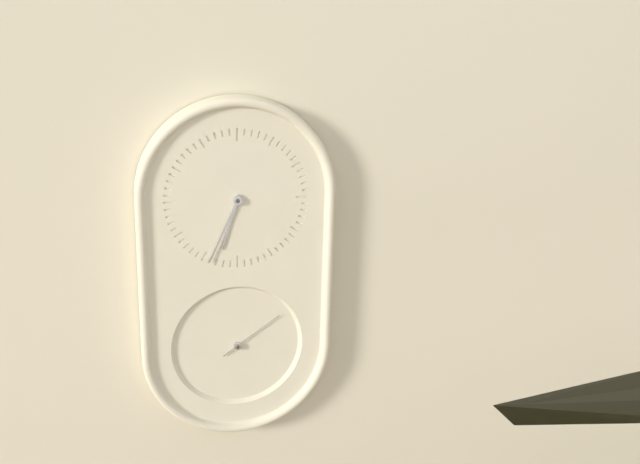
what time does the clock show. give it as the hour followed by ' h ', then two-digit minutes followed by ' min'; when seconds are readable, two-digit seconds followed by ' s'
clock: 6 h 34 min 09 s
